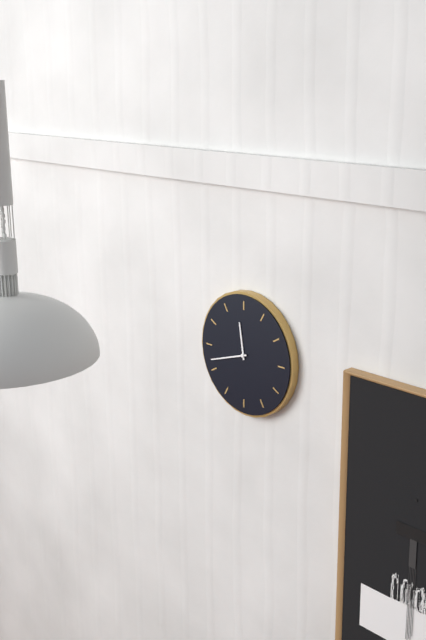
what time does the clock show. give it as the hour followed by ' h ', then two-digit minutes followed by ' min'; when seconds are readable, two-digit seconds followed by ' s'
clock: 11 h 42 min
